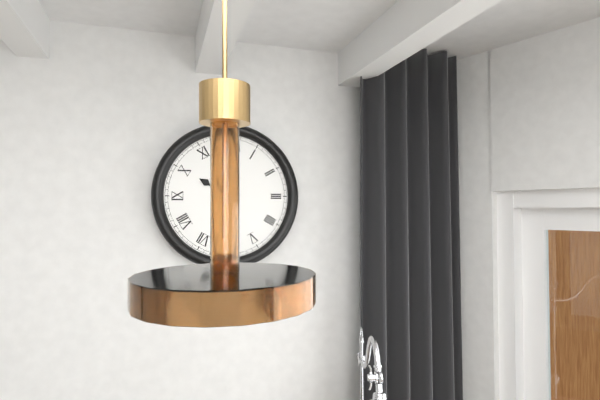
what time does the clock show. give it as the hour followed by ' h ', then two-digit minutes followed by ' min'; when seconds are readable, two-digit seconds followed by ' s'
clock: 10 h 02 min
